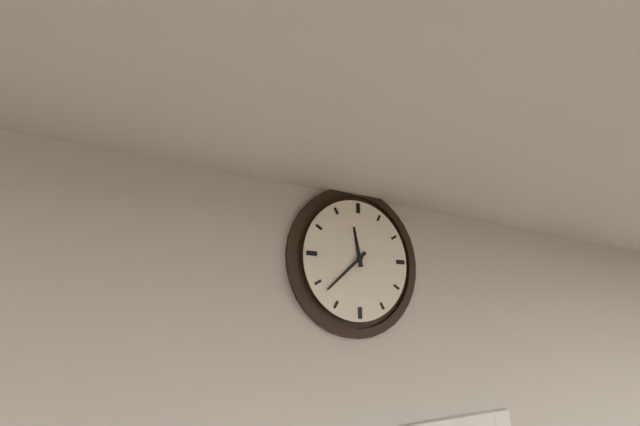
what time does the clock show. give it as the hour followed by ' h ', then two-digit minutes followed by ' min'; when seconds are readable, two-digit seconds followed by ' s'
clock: 11 h 38 min
